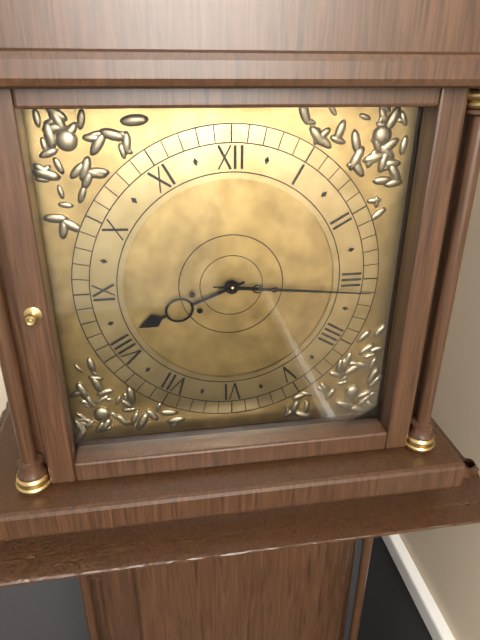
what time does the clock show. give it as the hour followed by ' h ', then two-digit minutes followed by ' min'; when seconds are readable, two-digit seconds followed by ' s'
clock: 8 h 16 min
